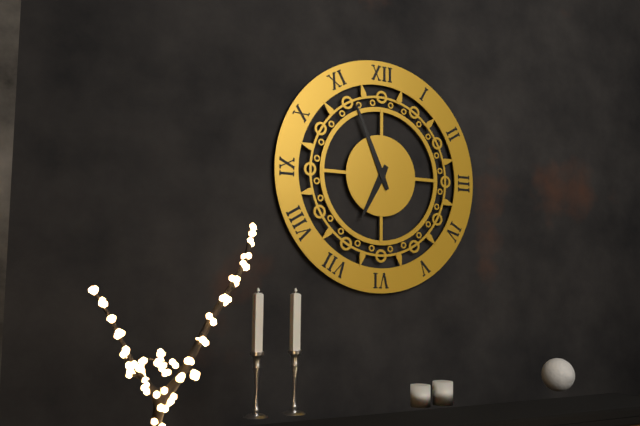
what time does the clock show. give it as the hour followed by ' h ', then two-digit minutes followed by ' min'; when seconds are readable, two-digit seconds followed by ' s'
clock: 6 h 56 min
